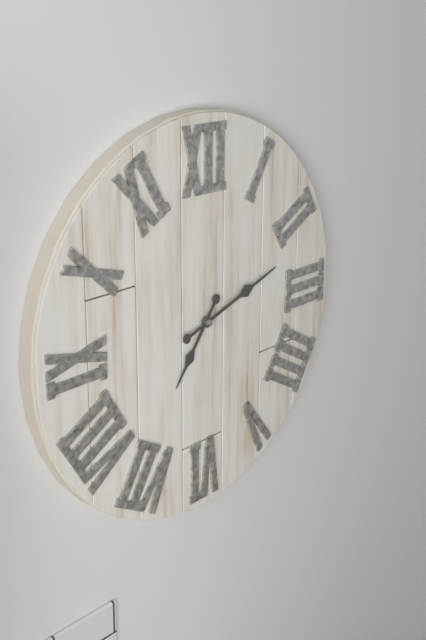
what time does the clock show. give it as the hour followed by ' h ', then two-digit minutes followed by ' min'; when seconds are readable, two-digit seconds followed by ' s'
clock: 7 h 12 min
